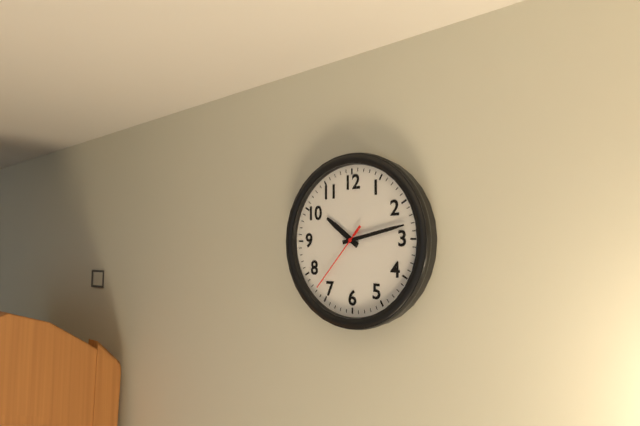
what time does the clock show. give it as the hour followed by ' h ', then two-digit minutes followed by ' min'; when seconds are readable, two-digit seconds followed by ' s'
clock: 10 h 13 min 37 s
